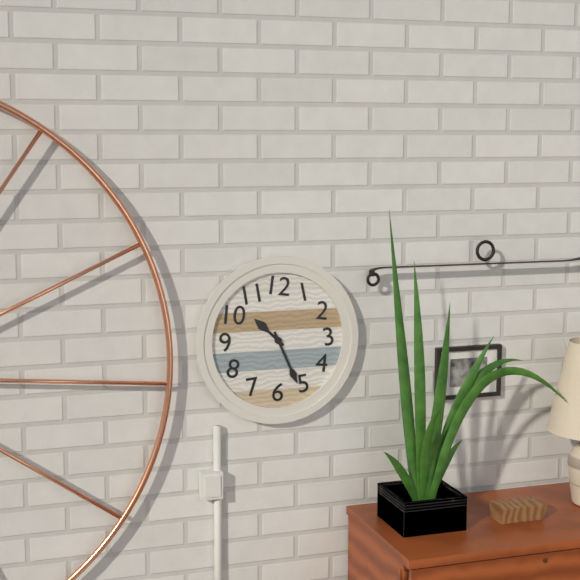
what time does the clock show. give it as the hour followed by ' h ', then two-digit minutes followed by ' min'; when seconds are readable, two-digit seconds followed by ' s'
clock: 10 h 26 min
